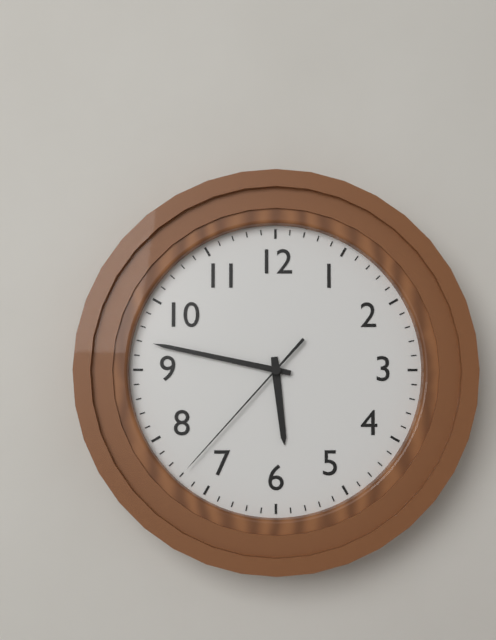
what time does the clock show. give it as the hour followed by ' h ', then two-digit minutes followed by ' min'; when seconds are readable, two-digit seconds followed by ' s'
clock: 5 h 47 min 37 s
